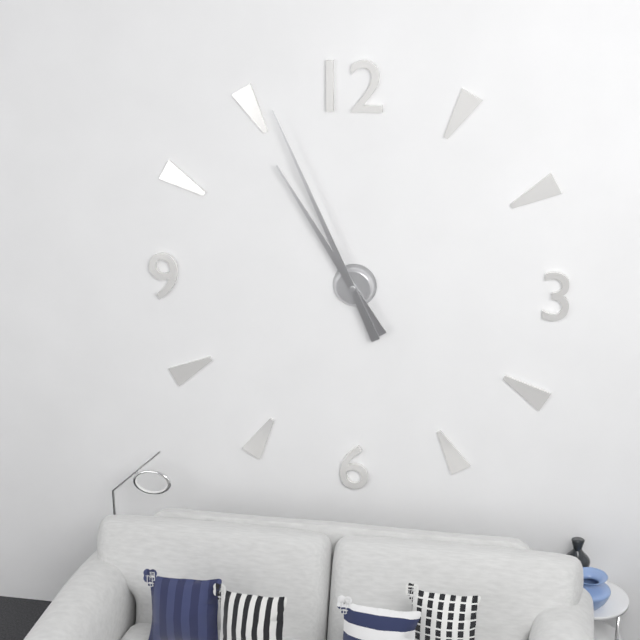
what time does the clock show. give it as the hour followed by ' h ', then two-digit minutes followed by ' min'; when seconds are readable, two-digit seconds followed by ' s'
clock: 10 h 56 min
